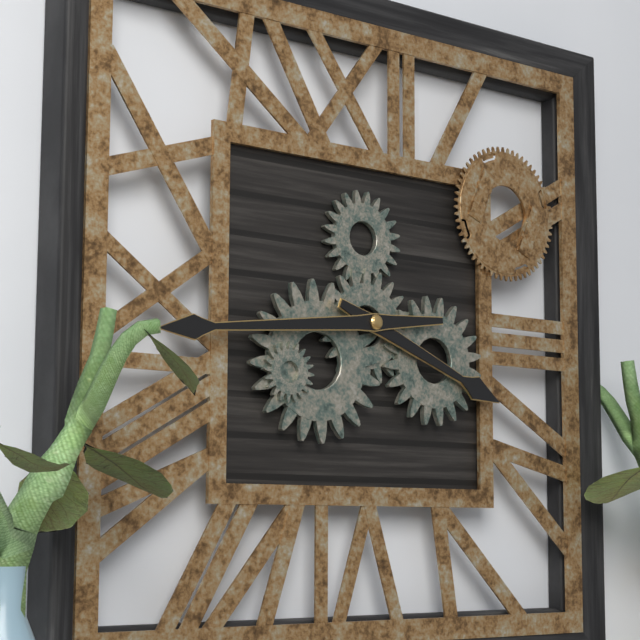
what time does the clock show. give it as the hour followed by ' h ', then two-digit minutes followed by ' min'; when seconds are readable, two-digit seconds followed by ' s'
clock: 3 h 44 min
